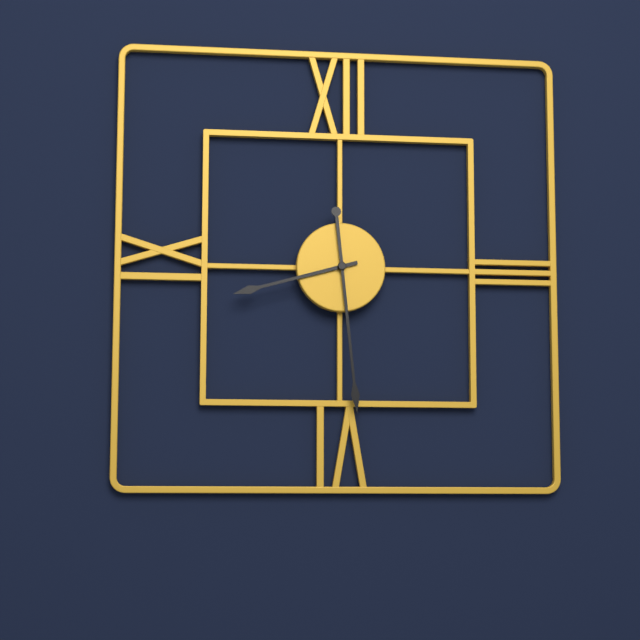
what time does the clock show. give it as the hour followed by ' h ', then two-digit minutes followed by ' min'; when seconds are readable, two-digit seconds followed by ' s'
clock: 8 h 29 min
